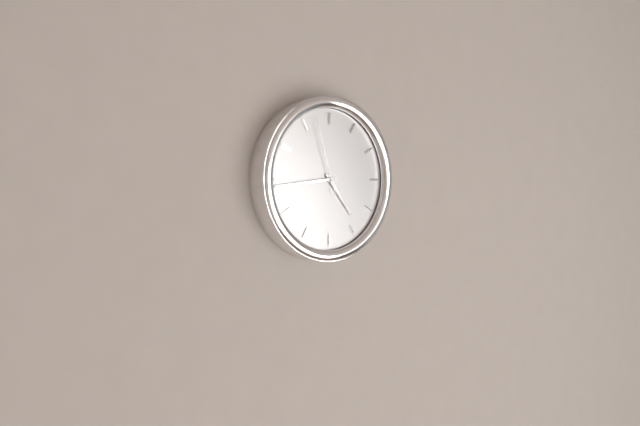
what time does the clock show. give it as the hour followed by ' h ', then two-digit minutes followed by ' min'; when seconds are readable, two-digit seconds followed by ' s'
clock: 4 h 44 min 57 s
